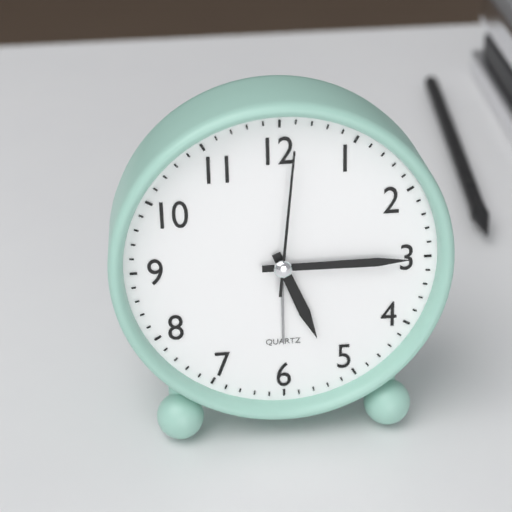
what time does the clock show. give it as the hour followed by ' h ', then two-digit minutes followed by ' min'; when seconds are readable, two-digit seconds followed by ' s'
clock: 5 h 15 min 01 s
